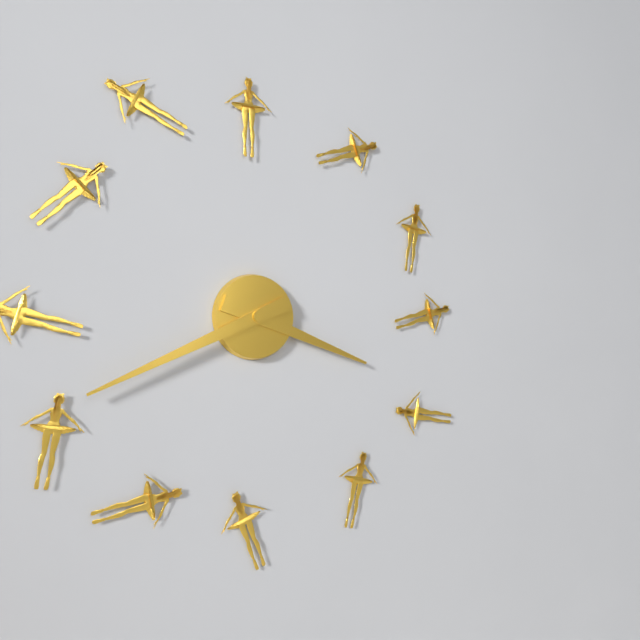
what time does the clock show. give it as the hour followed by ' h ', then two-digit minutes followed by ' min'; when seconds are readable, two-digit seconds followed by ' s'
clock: 3 h 41 min
